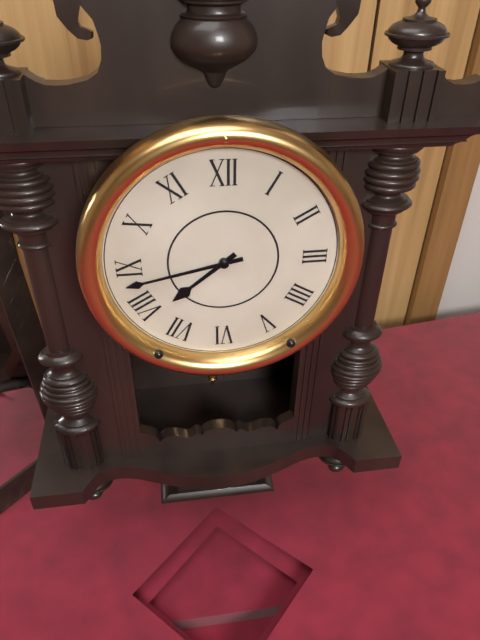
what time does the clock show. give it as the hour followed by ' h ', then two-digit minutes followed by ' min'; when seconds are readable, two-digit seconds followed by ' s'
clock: 7 h 43 min
